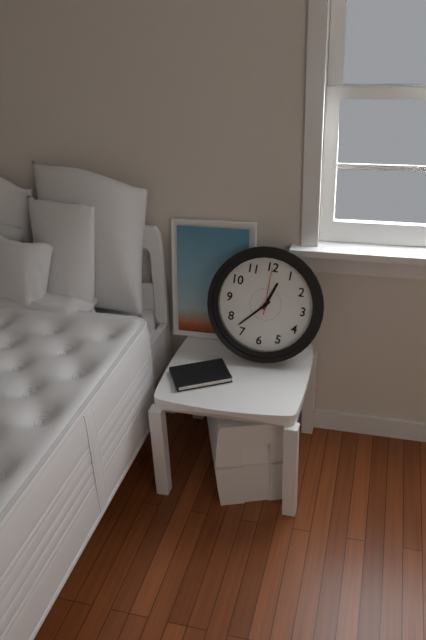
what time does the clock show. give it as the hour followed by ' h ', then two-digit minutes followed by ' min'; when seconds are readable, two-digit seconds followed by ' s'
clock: 12 h 37 min
